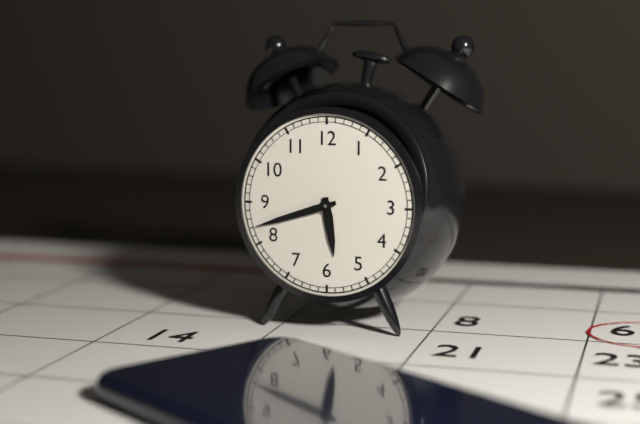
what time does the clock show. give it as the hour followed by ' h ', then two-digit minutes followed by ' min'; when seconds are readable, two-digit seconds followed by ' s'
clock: 5 h 42 min
